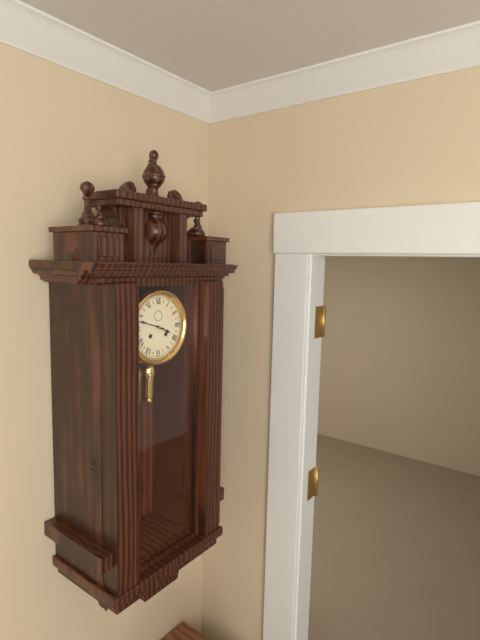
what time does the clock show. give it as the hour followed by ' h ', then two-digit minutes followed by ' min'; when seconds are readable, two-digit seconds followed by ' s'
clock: 3 h 48 min
